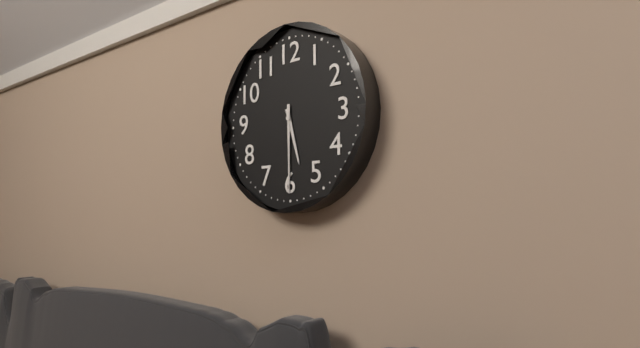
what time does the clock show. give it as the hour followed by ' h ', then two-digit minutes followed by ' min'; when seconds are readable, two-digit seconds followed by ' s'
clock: 5 h 30 min
